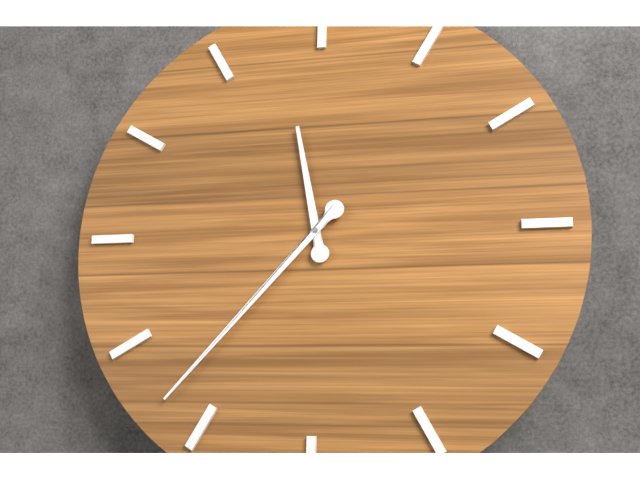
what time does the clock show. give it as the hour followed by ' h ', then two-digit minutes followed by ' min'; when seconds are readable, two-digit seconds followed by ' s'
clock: 11 h 37 min
